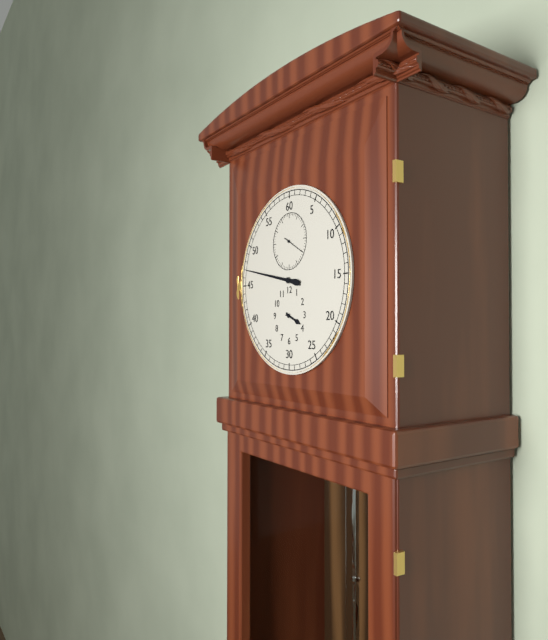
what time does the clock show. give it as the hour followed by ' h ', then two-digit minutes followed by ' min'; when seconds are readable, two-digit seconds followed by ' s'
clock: 3 h 47 min
